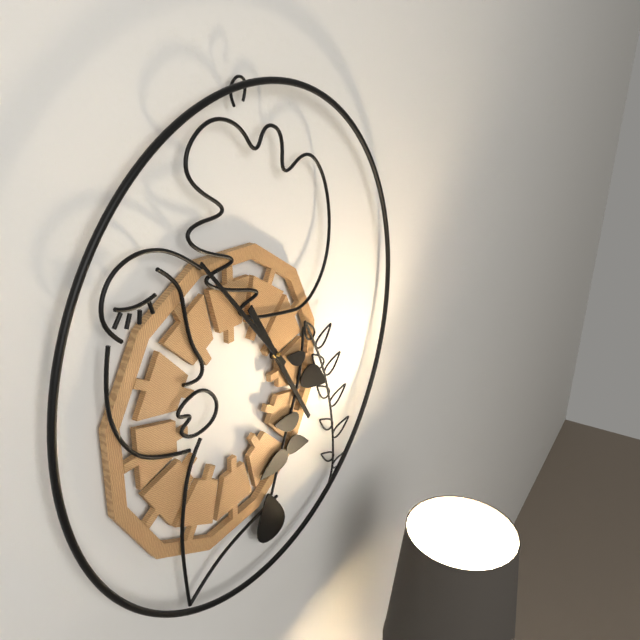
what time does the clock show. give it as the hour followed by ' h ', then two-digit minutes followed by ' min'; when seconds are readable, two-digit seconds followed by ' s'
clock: 4 h 53 min
